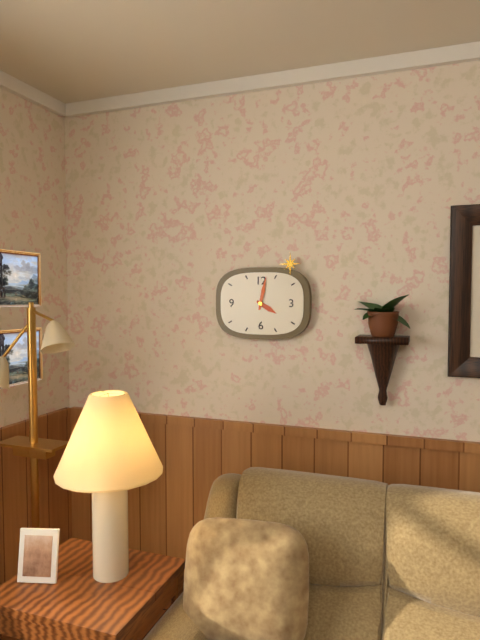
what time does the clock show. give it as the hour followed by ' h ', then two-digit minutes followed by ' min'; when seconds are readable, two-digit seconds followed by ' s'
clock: 4 h 02 min
